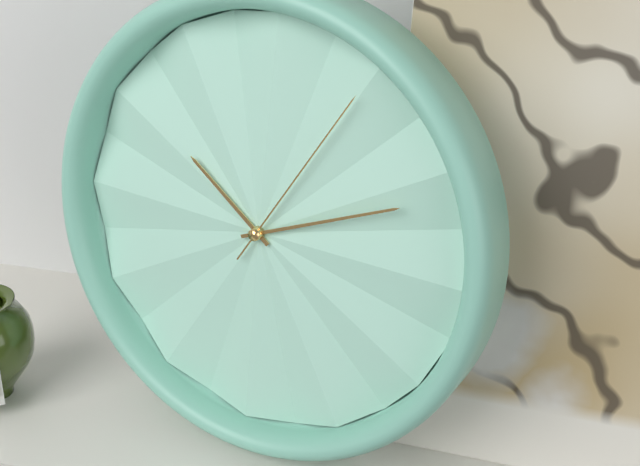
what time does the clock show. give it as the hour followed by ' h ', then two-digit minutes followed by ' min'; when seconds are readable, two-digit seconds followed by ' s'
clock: 10 h 11 min 05 s
